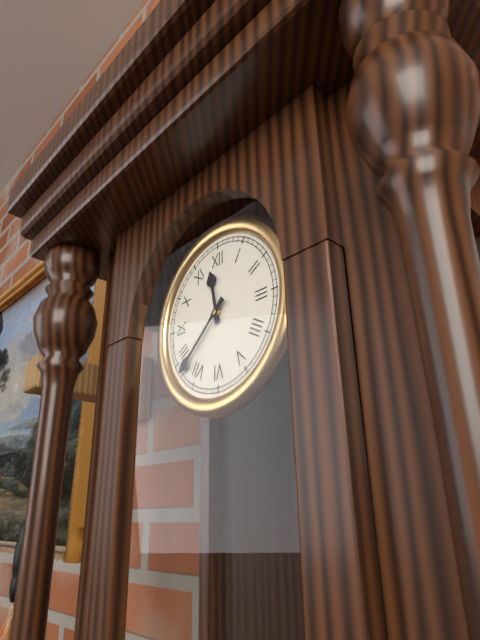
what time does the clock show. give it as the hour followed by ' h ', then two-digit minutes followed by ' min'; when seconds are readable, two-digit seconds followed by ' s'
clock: 11 h 38 min
